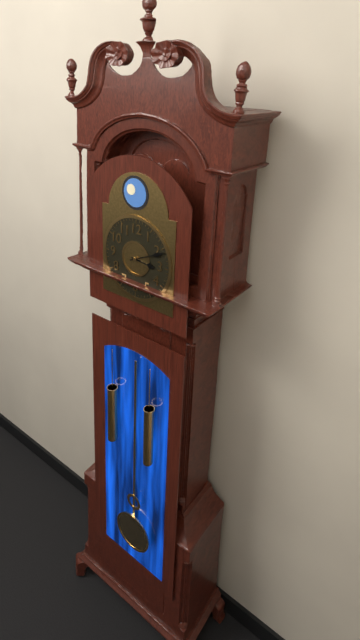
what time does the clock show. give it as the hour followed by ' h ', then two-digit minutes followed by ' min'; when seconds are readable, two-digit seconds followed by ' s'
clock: 3 h 11 min
